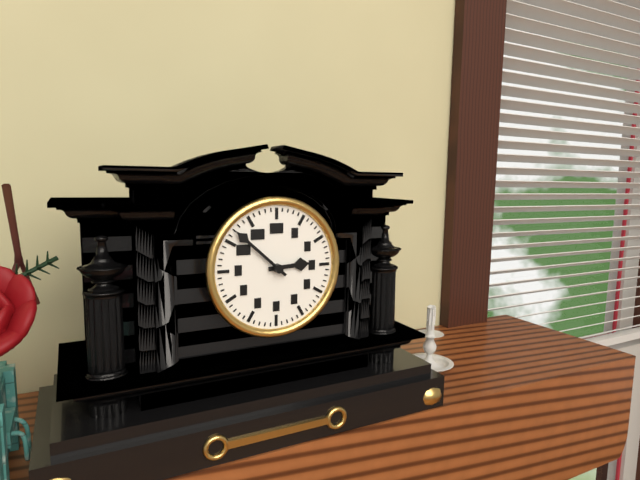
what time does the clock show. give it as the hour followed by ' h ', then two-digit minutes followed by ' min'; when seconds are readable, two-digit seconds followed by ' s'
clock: 2 h 52 min
